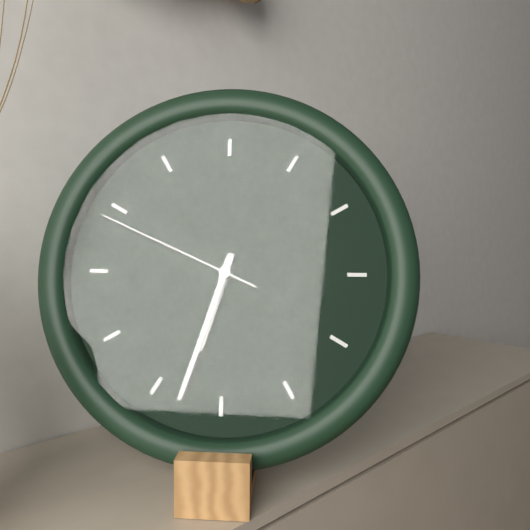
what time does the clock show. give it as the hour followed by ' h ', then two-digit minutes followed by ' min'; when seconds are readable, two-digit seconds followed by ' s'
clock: 6 h 33 min 49 s
